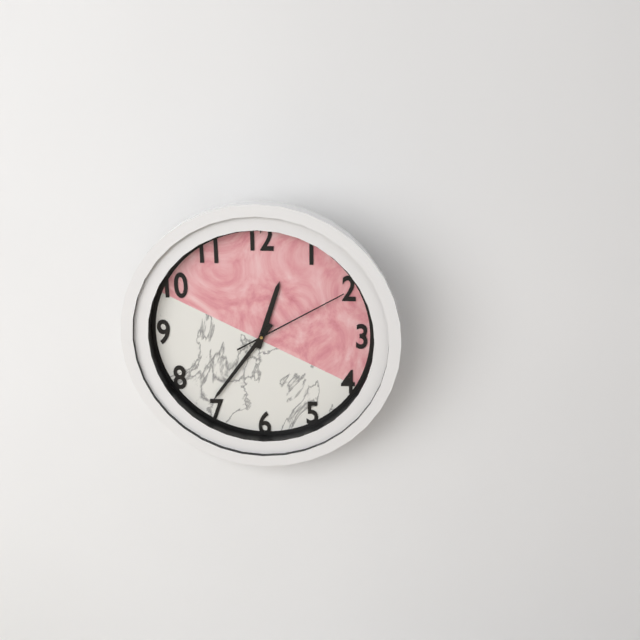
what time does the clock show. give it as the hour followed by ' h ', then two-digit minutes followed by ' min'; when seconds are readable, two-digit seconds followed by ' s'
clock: 12 h 36 min 10 s
